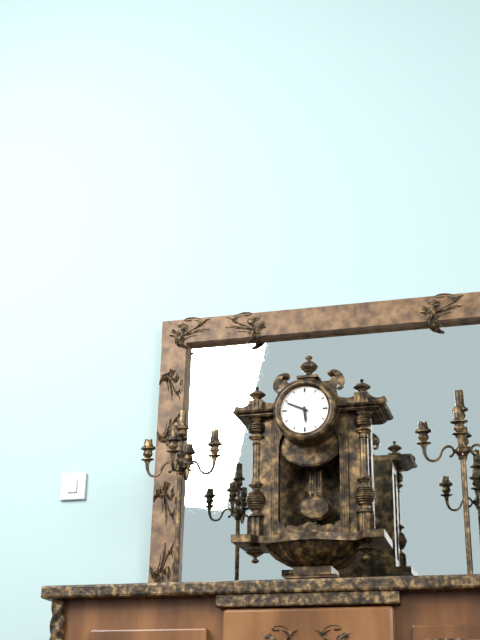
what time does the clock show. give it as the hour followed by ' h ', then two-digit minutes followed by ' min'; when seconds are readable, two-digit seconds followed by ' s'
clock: 5 h 49 min
